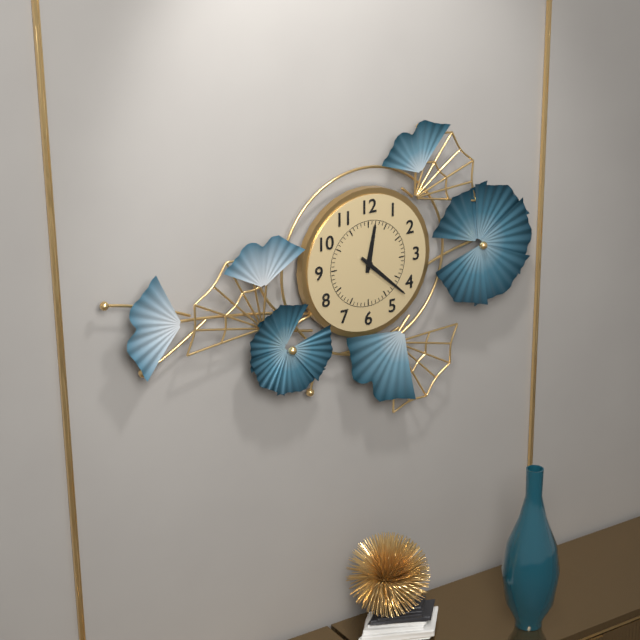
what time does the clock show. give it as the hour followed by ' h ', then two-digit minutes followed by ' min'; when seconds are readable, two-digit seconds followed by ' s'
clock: 12 h 22 min
